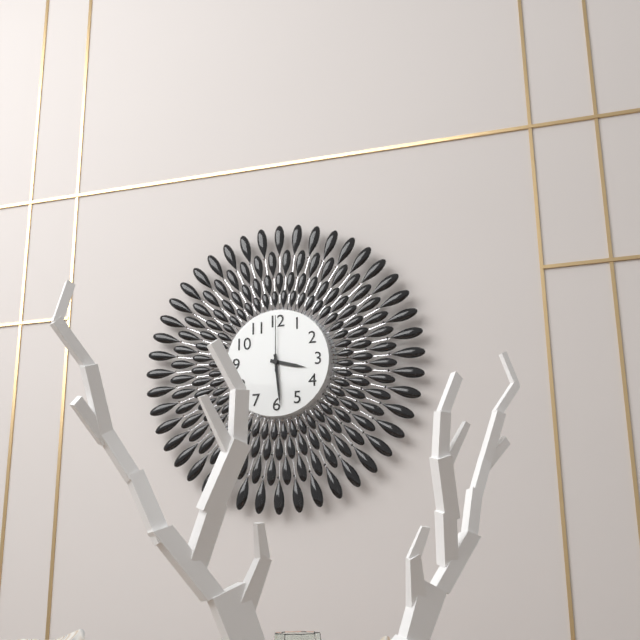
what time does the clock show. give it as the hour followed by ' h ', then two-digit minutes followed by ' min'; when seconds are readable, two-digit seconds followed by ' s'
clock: 3 h 29 min 00 s
